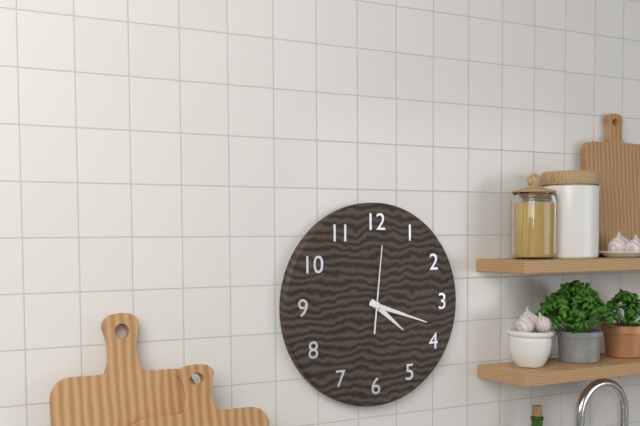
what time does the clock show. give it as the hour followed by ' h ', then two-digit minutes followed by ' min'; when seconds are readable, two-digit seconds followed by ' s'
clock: 4 h 18 min 01 s
